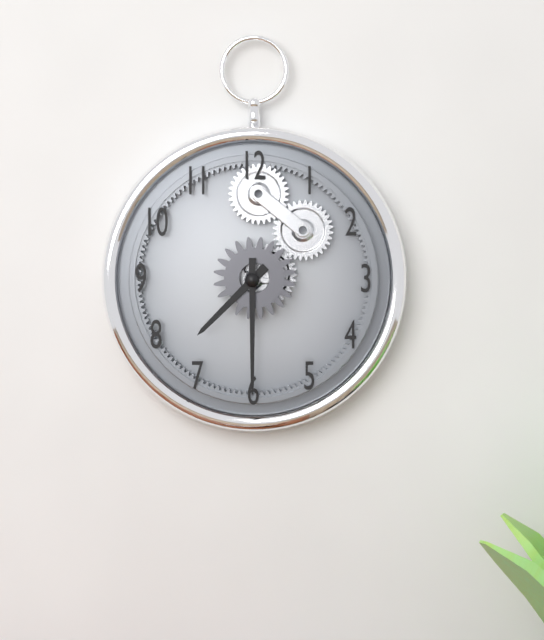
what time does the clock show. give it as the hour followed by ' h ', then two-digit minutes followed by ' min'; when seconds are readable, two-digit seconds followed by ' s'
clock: 7 h 30 min
